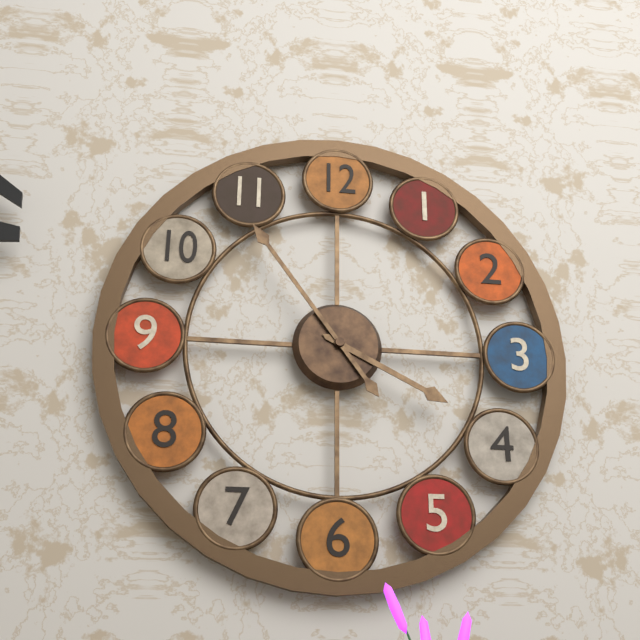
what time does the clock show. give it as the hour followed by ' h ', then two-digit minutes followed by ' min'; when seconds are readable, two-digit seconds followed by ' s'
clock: 3 h 54 min
